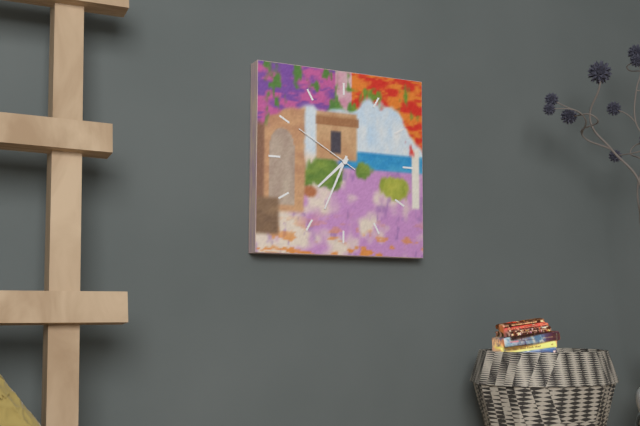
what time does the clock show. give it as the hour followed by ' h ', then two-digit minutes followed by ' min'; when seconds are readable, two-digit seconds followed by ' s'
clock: 7 h 34 min 50 s
